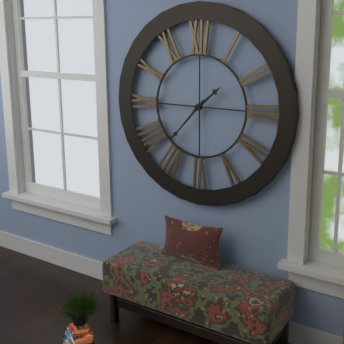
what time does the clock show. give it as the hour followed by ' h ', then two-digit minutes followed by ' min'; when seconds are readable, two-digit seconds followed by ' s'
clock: 1 h 37 min
